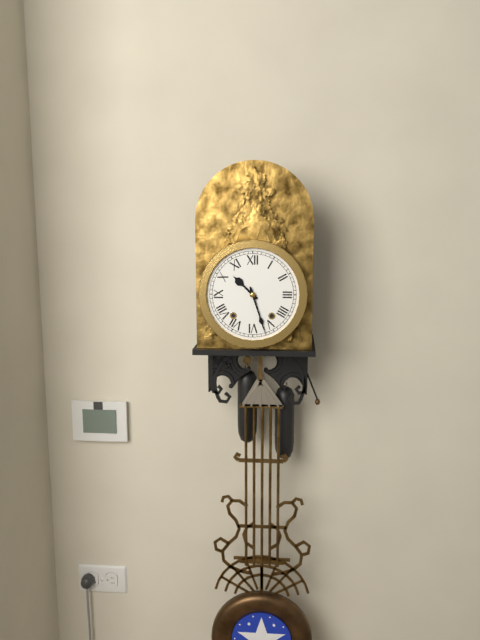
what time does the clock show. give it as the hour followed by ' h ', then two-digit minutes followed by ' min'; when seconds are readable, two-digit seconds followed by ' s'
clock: 10 h 27 min
